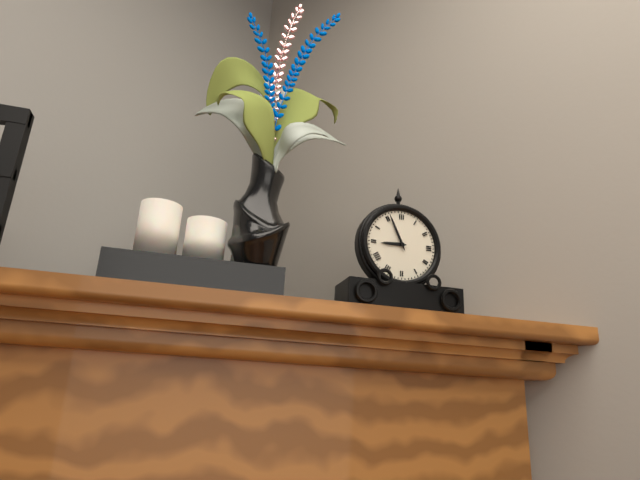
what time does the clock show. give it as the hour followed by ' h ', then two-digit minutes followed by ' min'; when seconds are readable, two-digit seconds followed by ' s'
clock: 8 h 56 min
